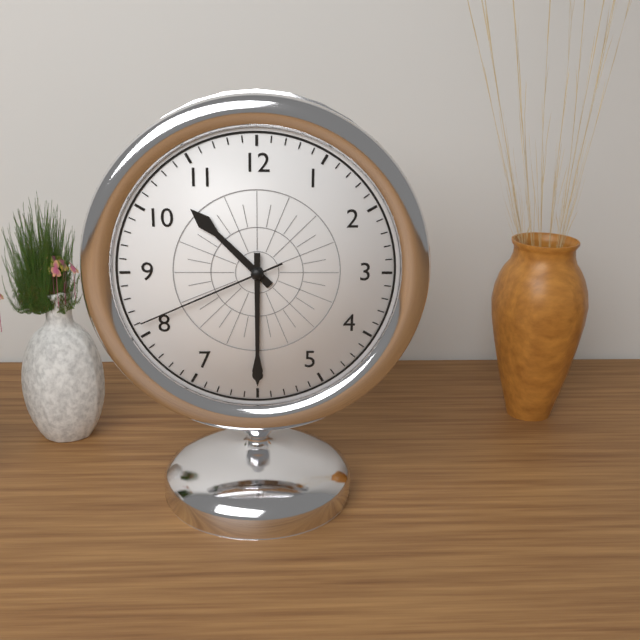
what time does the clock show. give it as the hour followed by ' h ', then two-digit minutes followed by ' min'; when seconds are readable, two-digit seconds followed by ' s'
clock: 10 h 30 min 41 s
